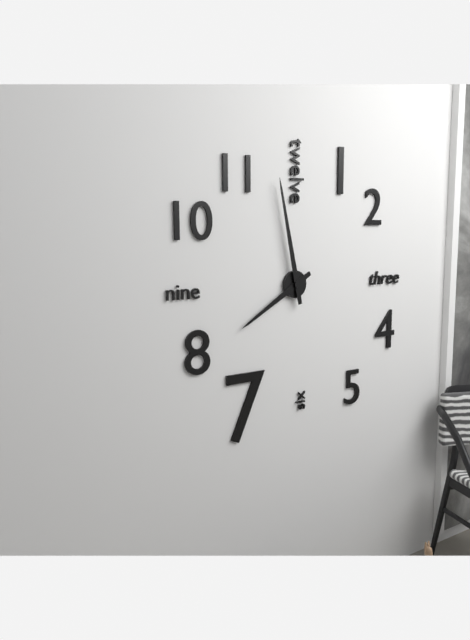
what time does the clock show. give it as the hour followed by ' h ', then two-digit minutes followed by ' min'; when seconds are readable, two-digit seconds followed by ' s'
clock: 7 h 58 min
